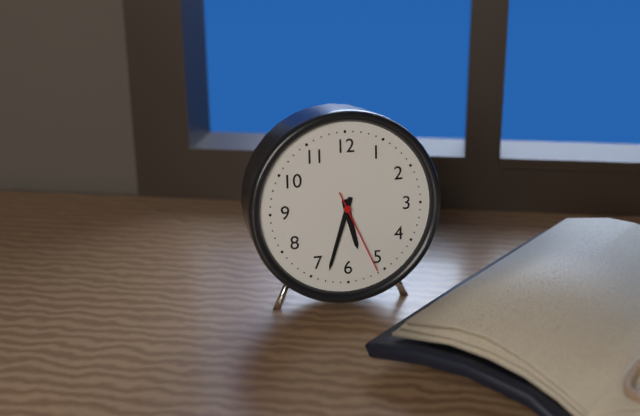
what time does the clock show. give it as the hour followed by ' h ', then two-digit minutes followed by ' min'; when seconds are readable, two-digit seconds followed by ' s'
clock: 5 h 33 min 26 s
